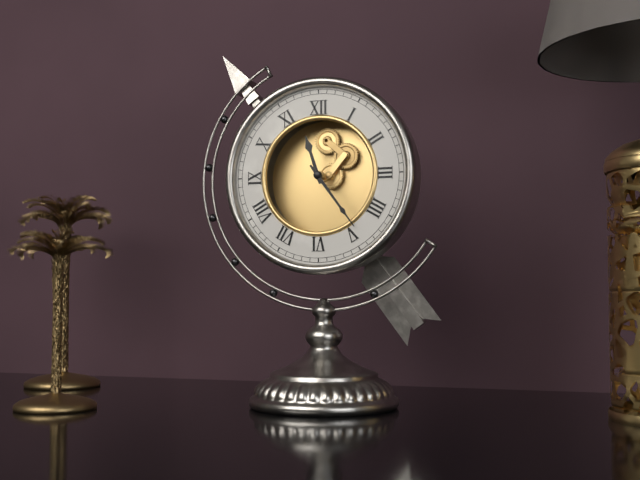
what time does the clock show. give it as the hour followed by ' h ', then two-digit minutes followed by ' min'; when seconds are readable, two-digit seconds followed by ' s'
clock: 11 h 24 min
